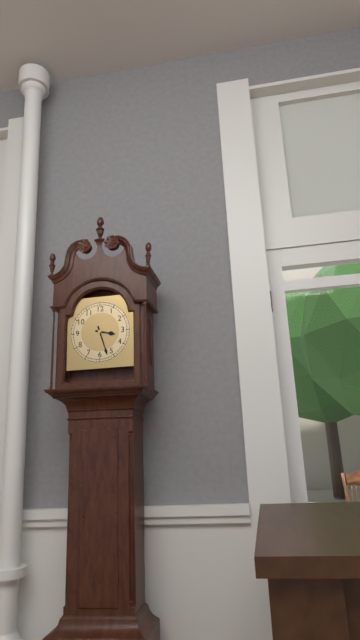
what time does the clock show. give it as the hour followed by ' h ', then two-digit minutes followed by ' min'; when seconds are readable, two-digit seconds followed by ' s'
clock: 3 h 27 min
